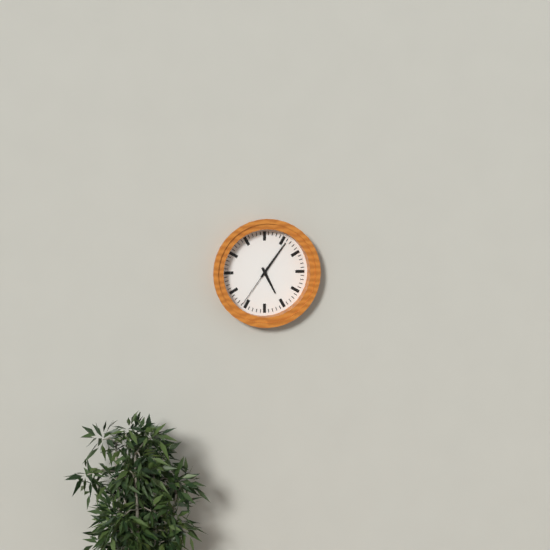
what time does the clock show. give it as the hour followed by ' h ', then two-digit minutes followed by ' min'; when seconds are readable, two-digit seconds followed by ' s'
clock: 5 h 06 min
